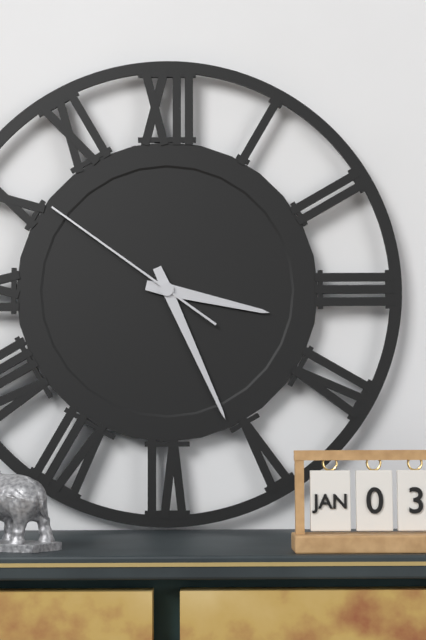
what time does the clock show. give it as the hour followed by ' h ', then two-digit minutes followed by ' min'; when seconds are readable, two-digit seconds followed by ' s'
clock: 3 h 26 min 51 s
